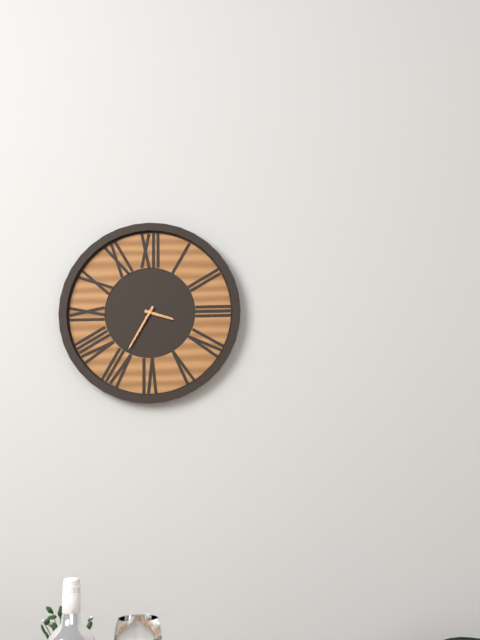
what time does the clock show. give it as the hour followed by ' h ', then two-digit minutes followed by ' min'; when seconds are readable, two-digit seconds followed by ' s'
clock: 3 h 35 min
